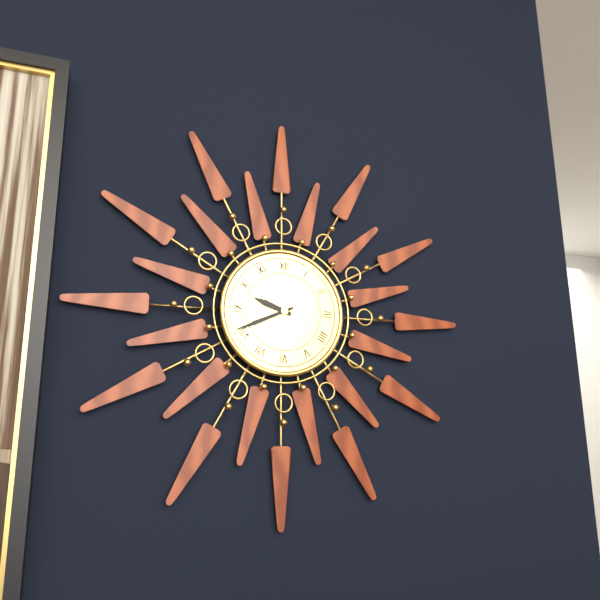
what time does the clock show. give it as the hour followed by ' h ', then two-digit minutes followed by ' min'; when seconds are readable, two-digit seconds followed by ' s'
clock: 9 h 41 min
